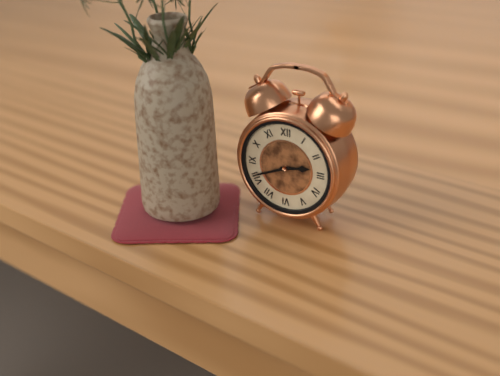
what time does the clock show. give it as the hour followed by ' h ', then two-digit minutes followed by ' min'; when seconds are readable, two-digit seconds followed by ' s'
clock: 2 h 41 min
